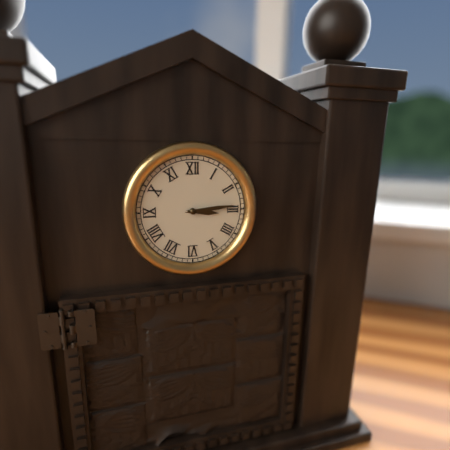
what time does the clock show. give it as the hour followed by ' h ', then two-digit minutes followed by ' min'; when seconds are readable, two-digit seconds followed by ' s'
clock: 3 h 14 min
